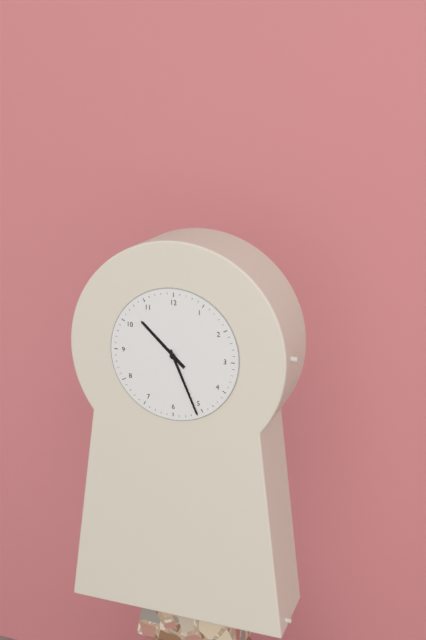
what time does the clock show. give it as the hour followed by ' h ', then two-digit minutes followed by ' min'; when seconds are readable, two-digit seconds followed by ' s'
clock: 10 h 26 min
